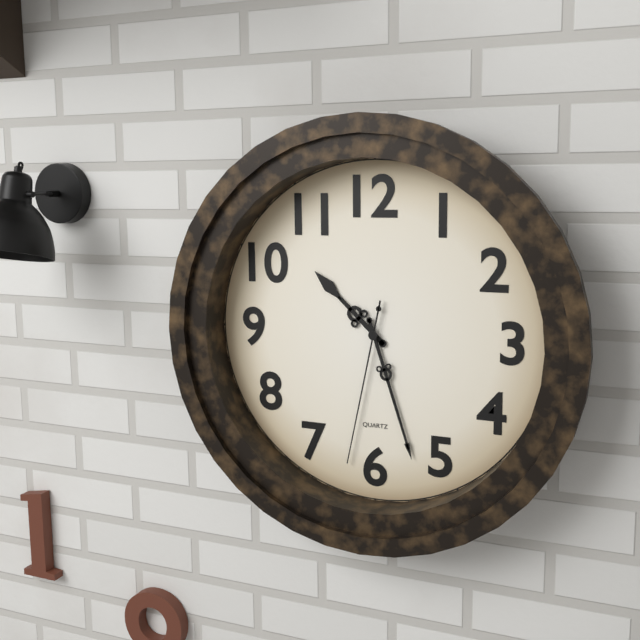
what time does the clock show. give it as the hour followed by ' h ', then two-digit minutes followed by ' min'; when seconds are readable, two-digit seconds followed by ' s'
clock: 10 h 27 min 32 s
